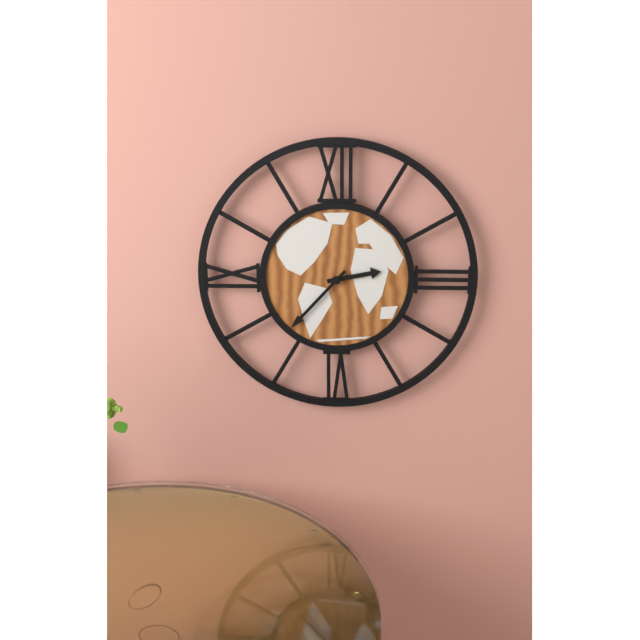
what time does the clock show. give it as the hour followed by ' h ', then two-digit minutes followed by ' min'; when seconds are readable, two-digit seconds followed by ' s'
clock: 2 h 37 min
